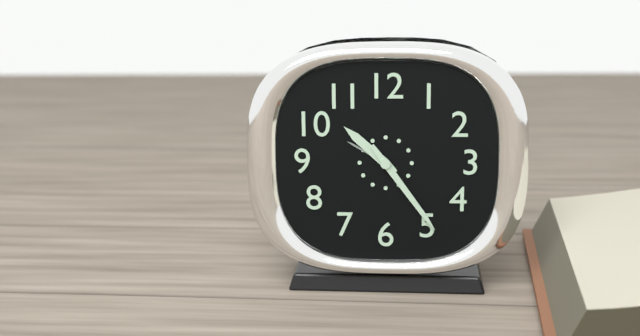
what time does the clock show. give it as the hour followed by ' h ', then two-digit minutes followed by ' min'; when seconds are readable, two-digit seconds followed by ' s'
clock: 10 h 24 min
